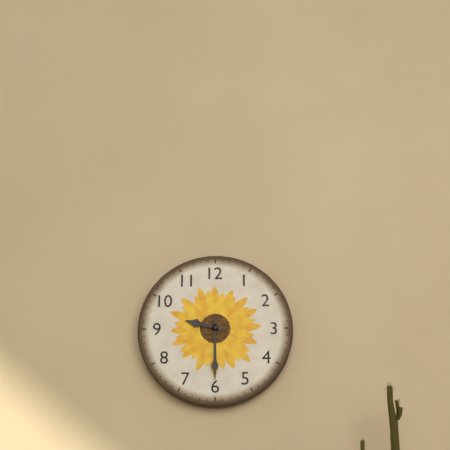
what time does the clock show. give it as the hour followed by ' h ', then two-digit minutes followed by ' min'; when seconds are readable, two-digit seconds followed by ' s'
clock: 9 h 30 min
